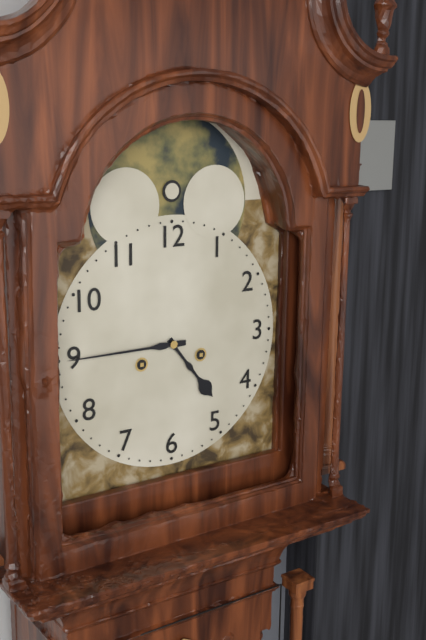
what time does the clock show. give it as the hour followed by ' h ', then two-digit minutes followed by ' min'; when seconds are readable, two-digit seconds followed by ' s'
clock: 4 h 45 min
